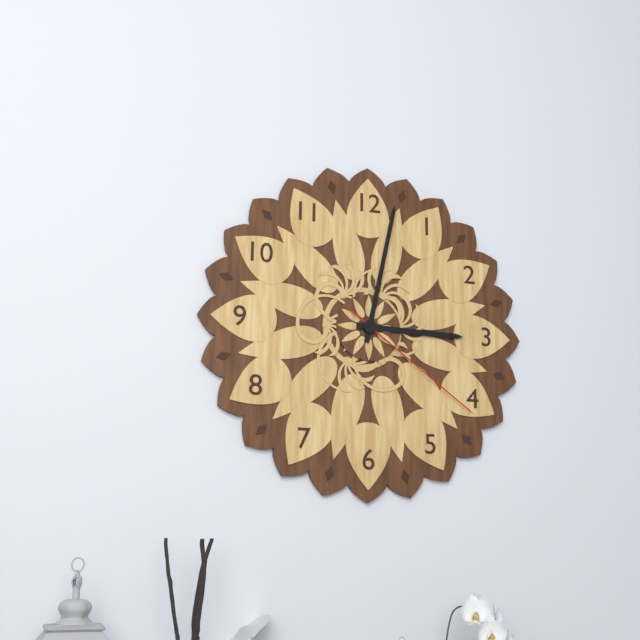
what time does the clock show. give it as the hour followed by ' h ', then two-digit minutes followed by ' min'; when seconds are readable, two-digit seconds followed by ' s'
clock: 3 h 02 min 21 s
